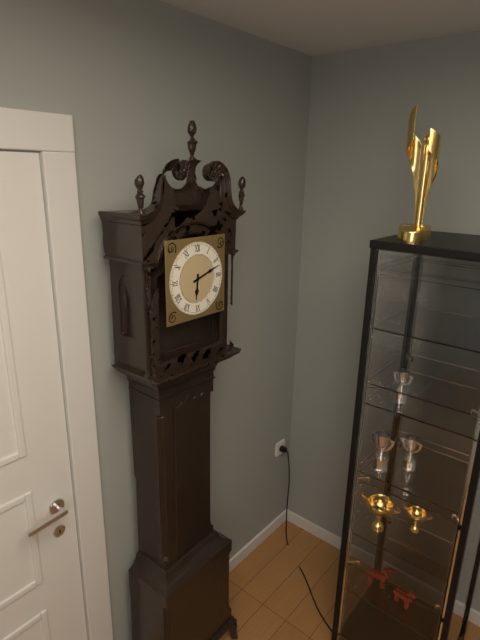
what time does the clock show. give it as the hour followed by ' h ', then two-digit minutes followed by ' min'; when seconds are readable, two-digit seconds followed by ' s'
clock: 6 h 12 min
